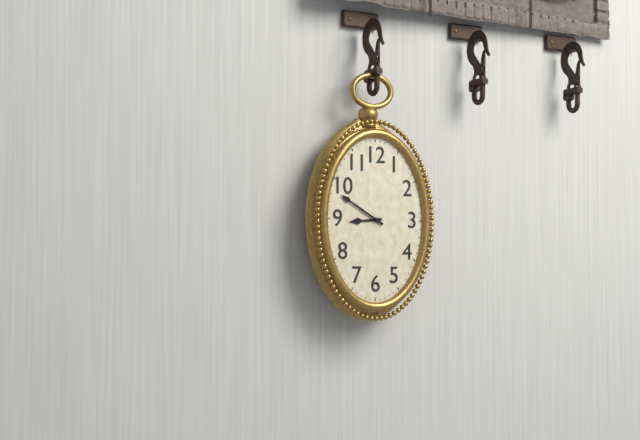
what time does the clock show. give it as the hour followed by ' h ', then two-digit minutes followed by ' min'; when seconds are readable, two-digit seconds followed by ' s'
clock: 8 h 50 min
